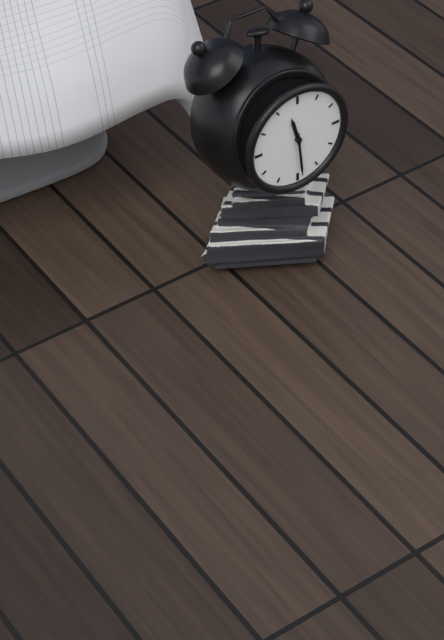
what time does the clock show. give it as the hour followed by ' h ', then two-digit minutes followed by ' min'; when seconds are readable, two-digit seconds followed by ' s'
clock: 11 h 29 min
